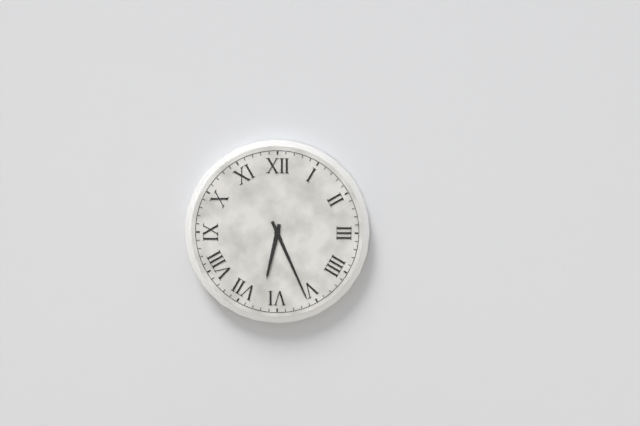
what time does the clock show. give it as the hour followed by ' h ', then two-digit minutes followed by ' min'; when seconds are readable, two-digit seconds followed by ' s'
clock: 6 h 26 min
